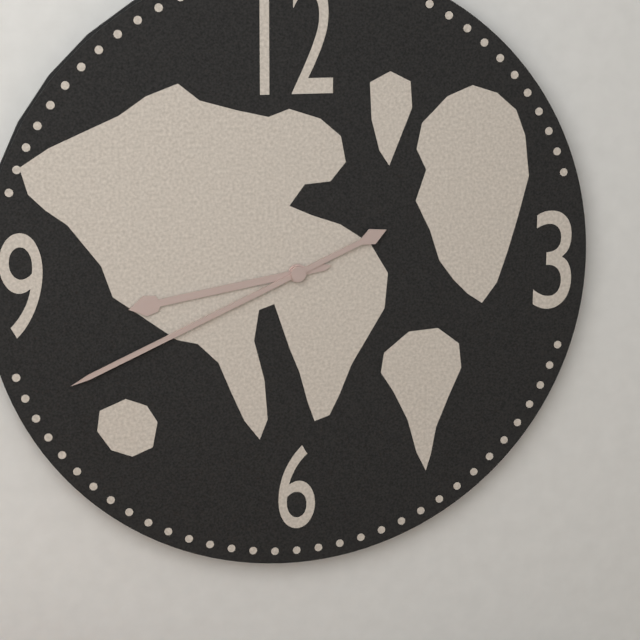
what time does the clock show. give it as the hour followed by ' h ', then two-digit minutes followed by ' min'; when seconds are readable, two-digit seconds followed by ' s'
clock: 8 h 41 min
